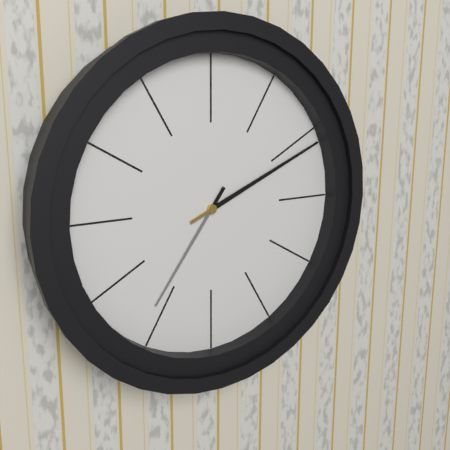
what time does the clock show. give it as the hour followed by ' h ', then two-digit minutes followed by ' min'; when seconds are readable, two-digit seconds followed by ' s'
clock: 7 h 11 min
